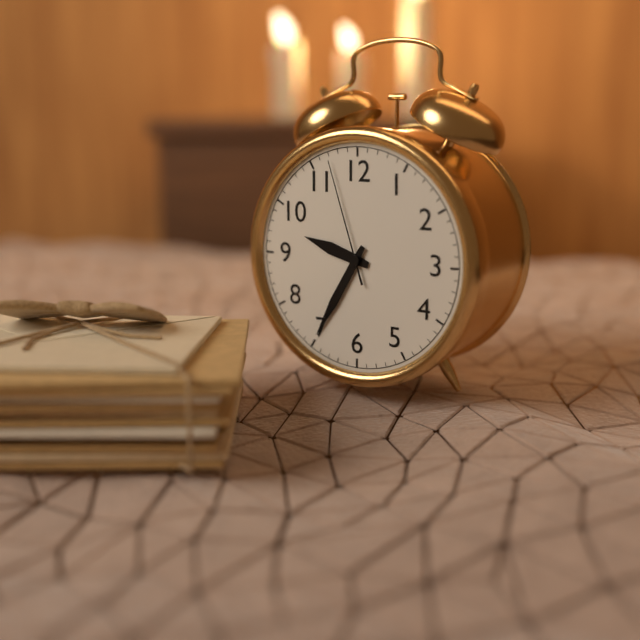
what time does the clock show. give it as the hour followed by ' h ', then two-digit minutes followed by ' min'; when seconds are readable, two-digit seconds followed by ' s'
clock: 9 h 35 min 57 s
